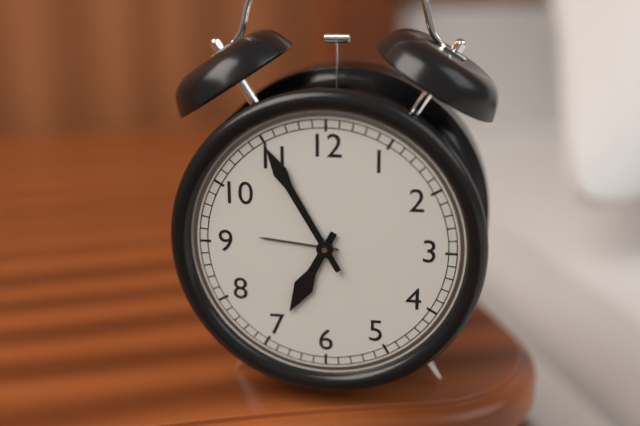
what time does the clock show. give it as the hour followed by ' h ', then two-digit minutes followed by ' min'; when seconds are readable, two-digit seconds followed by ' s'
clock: 6 h 55 min
